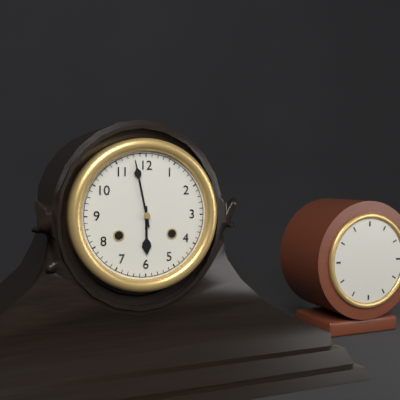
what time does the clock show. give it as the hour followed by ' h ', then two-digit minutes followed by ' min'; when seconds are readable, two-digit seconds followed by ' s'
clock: 5 h 58 min
